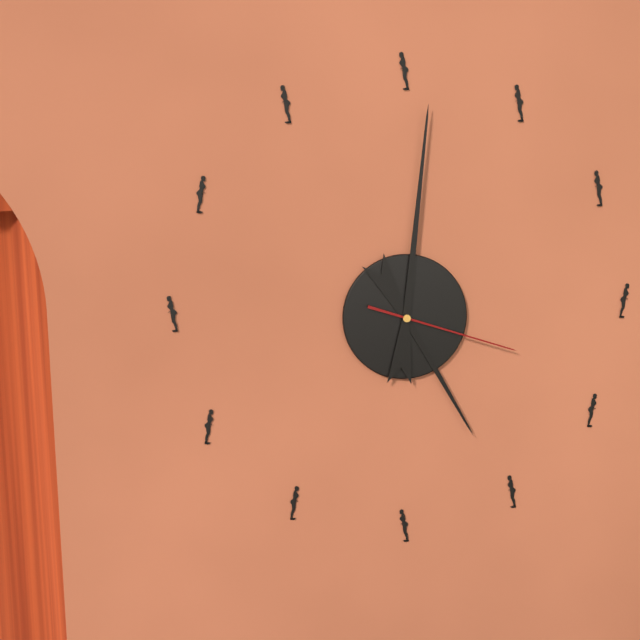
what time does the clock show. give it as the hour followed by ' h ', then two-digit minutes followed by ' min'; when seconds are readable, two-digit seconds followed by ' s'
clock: 5 h 01 min 18 s
